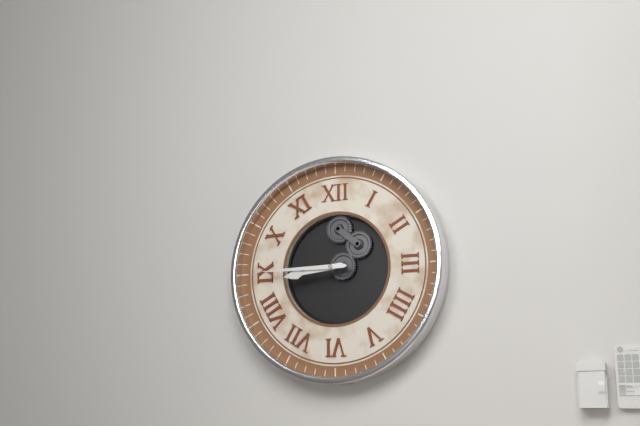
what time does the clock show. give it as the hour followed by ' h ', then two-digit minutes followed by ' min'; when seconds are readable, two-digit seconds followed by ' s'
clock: 8 h 45 min
